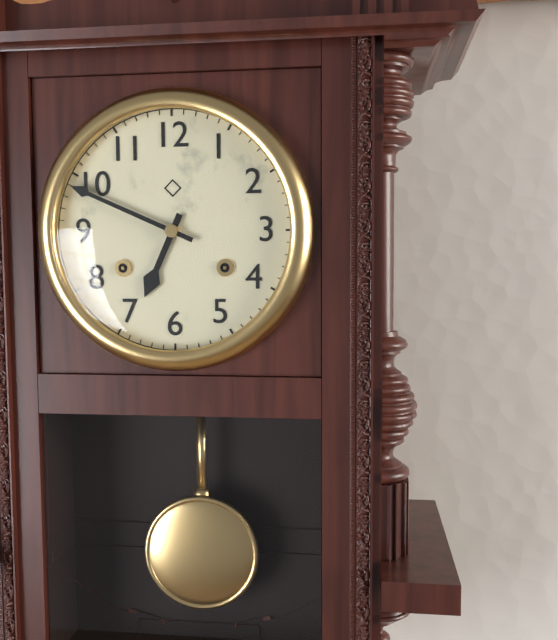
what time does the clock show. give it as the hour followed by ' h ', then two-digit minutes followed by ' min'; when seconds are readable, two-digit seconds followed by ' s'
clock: 6 h 49 min
